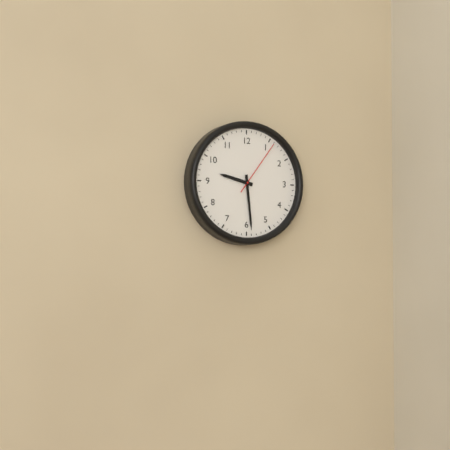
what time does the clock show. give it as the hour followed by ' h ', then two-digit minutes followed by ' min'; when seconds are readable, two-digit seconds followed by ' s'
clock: 9 h 29 min 06 s
